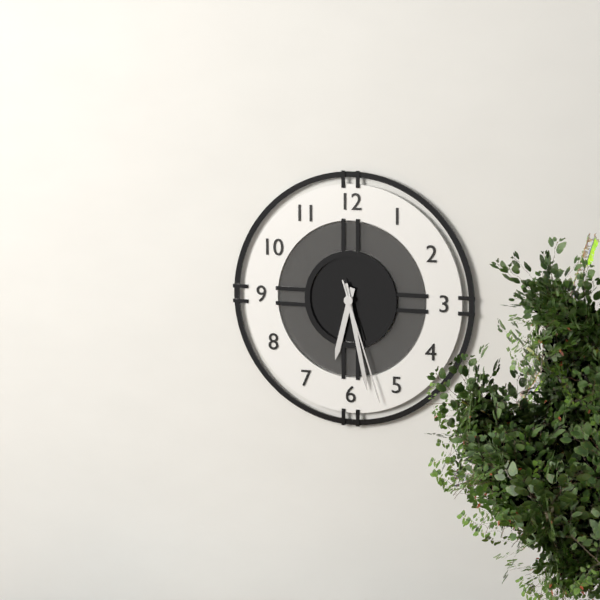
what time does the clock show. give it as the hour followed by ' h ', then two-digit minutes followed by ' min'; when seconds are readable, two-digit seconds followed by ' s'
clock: 6 h 28 min 27 s
